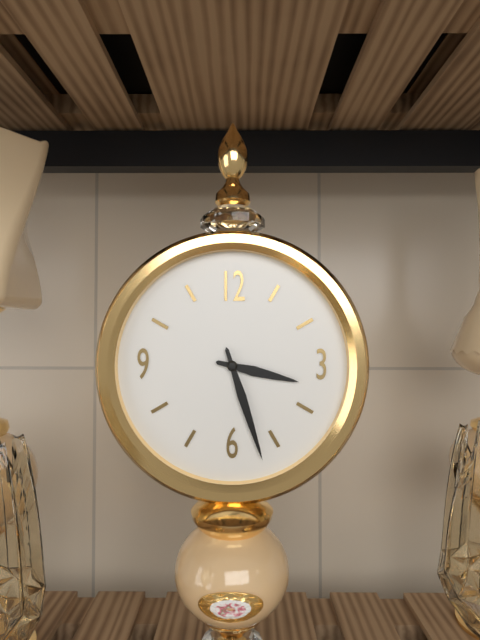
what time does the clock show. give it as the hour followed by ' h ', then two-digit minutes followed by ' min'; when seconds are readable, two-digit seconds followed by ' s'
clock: 3 h 27 min
